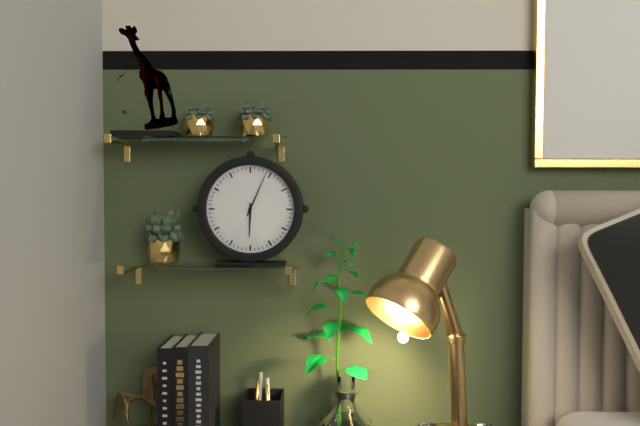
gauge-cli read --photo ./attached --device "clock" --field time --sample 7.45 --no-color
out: 6.04
